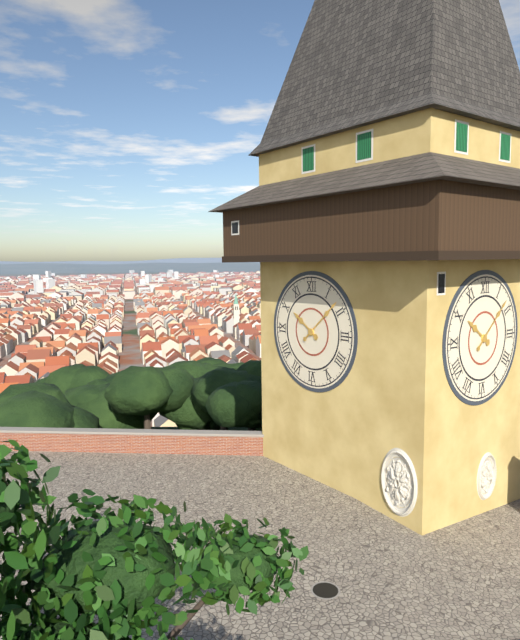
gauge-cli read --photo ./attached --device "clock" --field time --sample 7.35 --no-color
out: 10.08
